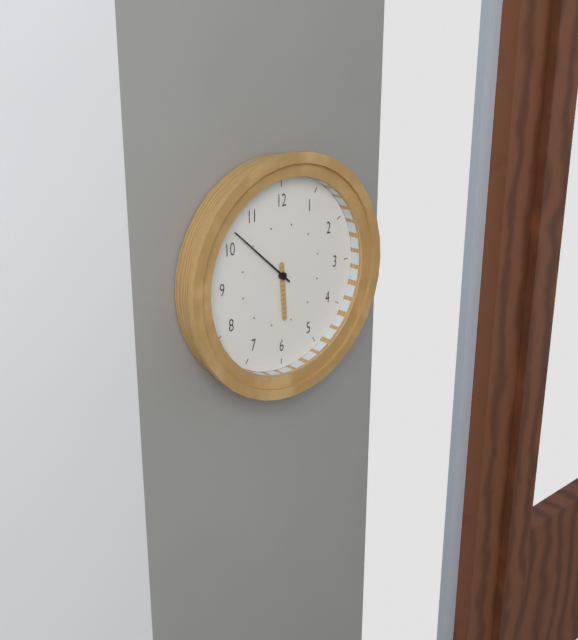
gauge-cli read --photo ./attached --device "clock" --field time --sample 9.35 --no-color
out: 5.52
